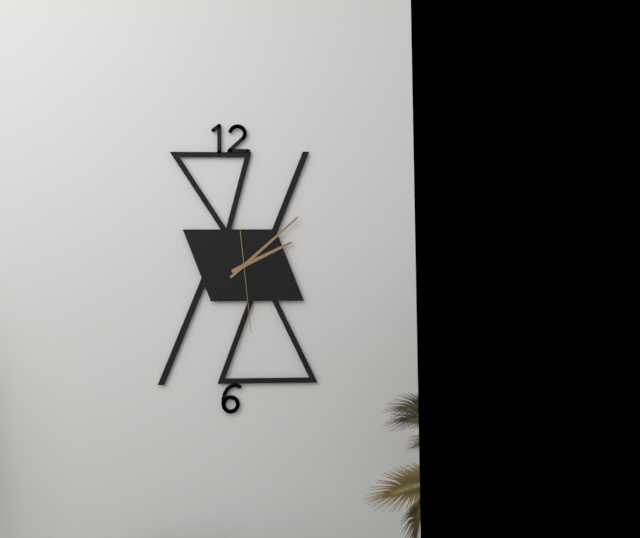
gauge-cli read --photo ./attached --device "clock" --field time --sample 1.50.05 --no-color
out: 2.08.29
